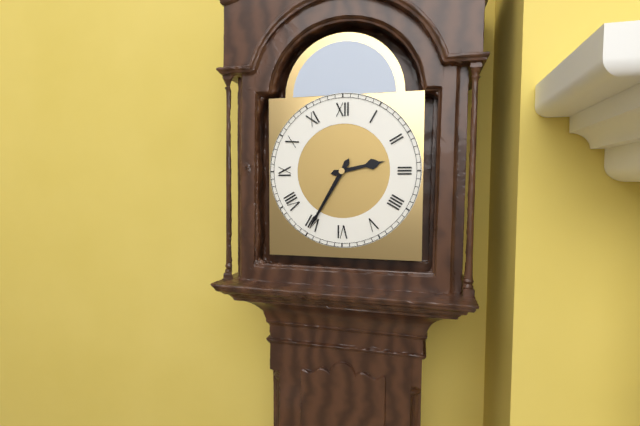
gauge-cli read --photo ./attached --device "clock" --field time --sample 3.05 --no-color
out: 2.35
